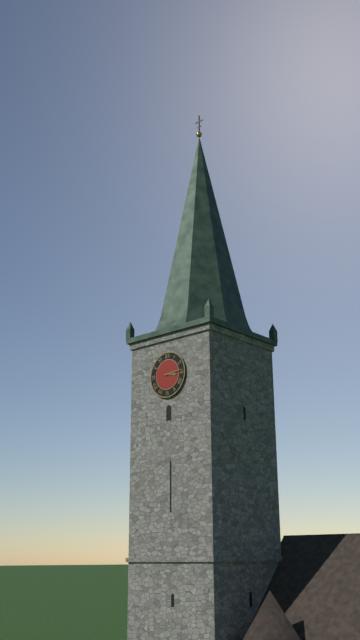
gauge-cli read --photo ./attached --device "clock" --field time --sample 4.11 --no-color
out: 3.14
